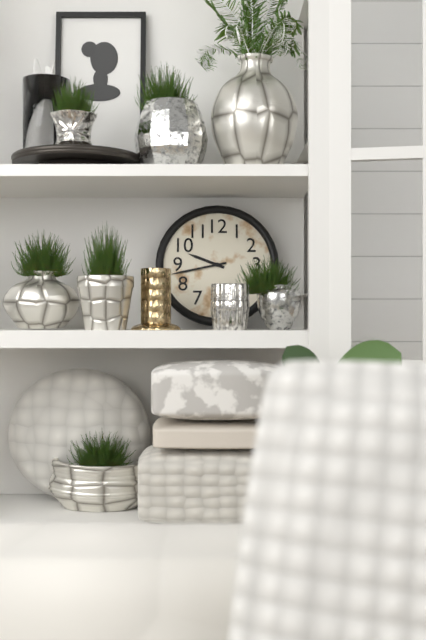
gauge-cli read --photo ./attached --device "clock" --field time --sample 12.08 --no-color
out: 9.43
